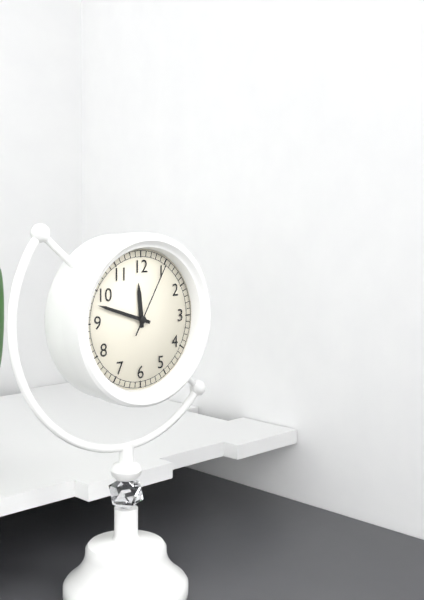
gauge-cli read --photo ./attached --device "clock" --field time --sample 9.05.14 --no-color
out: 11.48.05
